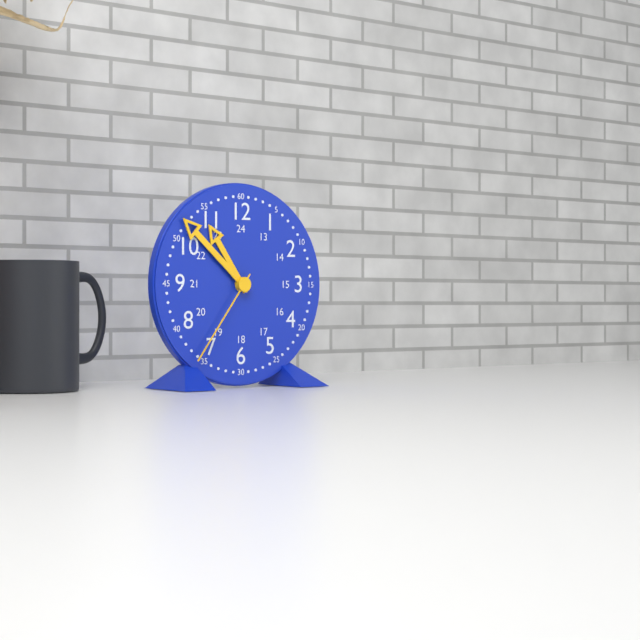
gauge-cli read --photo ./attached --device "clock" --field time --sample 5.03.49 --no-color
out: 10.52.36
